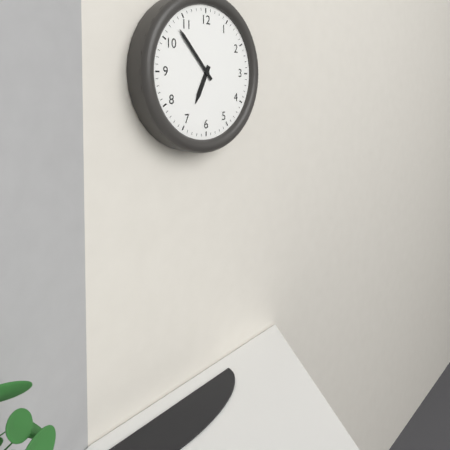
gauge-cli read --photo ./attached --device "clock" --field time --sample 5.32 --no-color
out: 6.53
